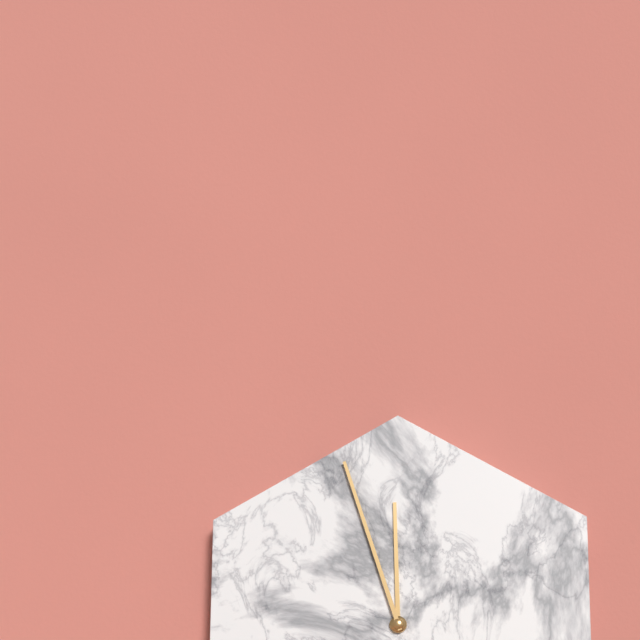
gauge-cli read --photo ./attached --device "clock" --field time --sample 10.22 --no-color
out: 11.57
